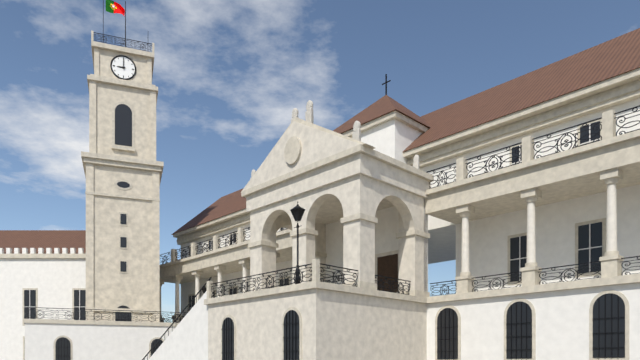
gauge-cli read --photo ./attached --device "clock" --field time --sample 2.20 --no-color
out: 9.00
